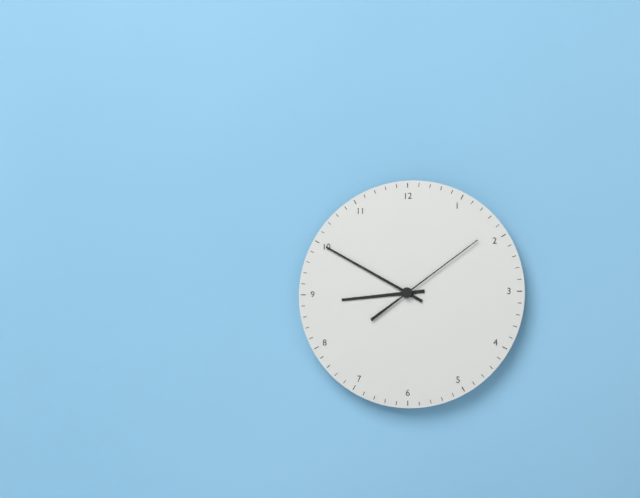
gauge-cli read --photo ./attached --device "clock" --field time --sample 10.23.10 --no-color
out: 8.50.09
